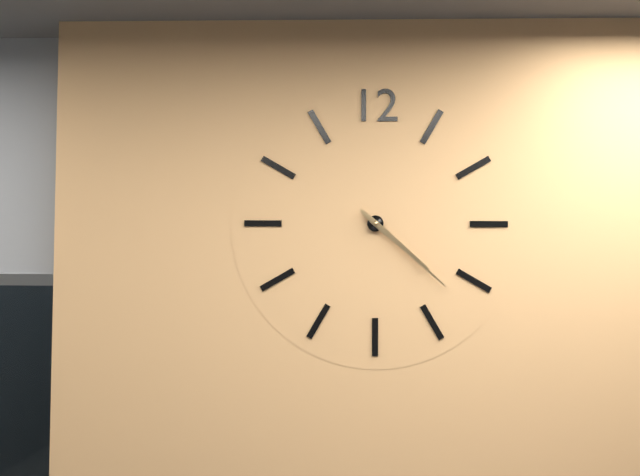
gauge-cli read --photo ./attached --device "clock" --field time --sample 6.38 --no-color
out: 4.22
